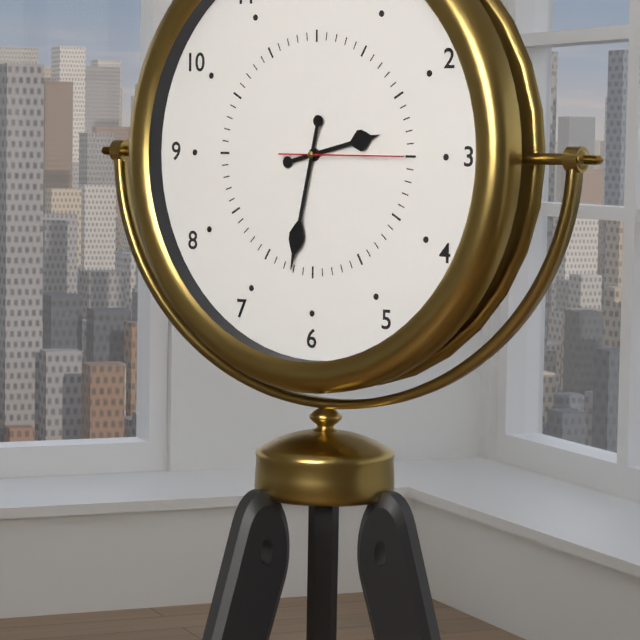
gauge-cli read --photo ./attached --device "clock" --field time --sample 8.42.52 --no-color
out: 2.32.15
